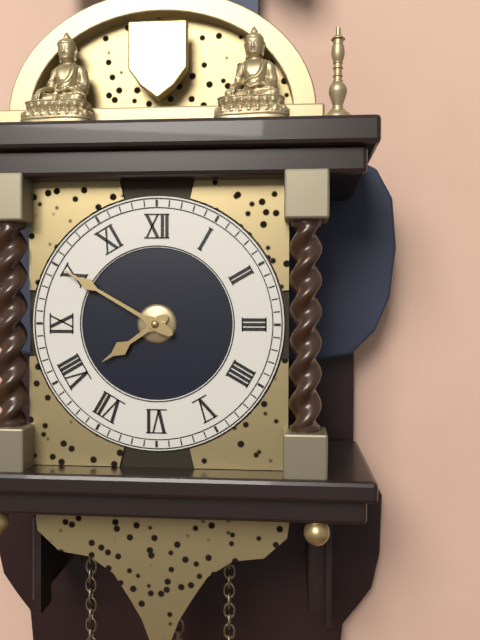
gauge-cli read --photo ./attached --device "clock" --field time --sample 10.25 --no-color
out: 7.50
